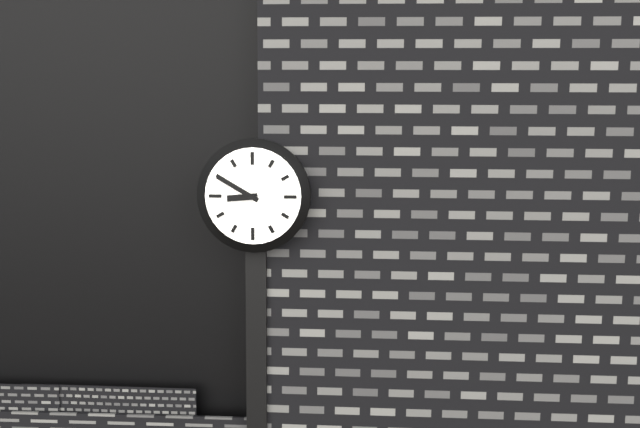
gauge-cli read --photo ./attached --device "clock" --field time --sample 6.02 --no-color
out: 8.50
